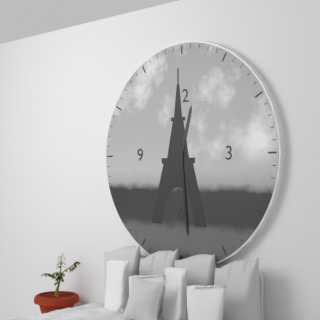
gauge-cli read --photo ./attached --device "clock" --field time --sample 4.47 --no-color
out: 12.29
